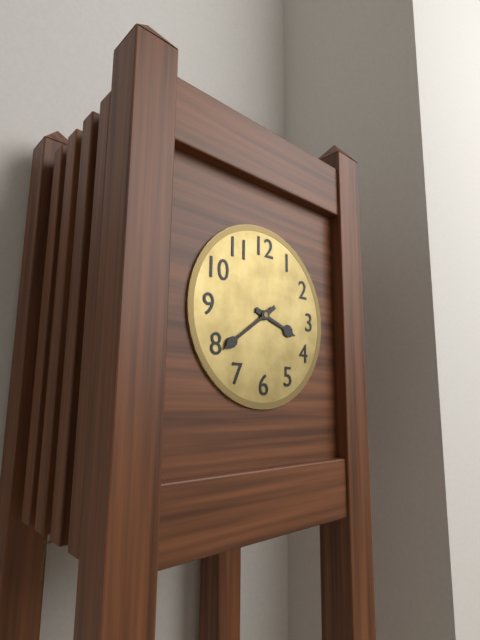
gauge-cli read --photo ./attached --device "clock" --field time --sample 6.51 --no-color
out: 3.39
